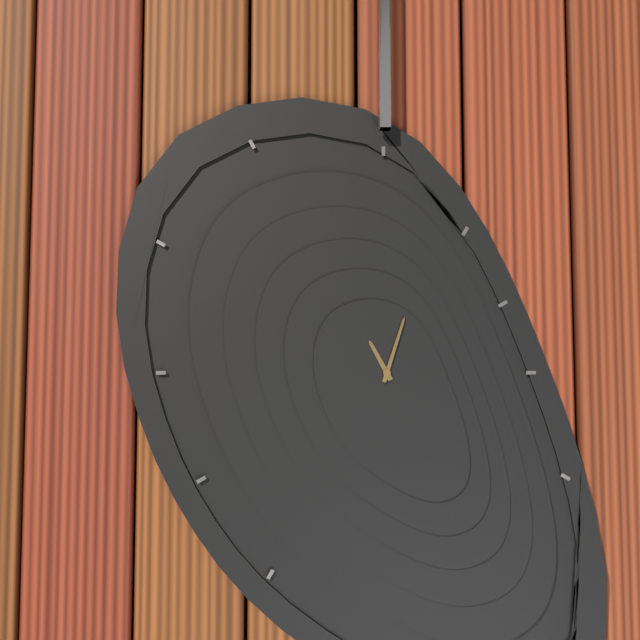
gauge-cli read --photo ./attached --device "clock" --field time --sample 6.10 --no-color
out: 11.03
